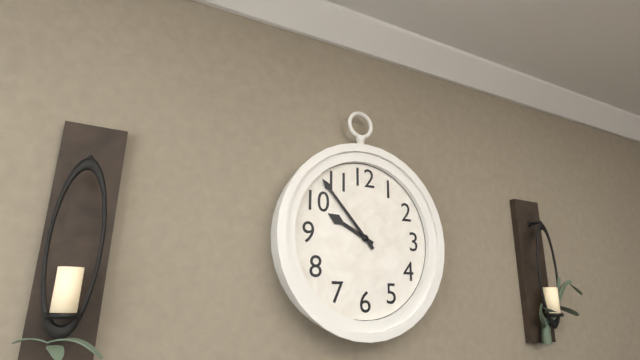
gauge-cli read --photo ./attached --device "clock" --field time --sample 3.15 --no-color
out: 9.53
